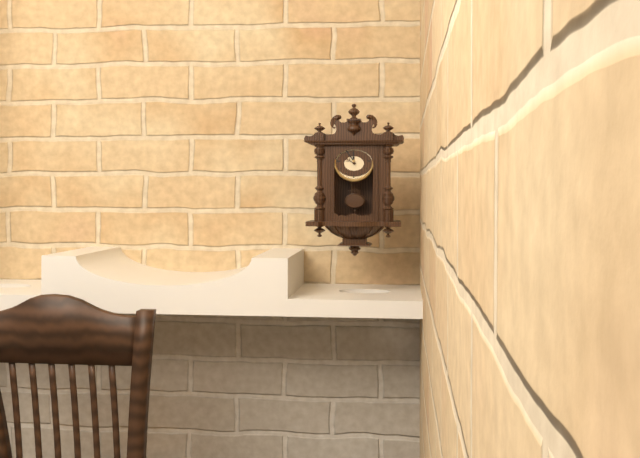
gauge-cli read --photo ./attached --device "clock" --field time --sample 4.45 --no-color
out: 11.54
